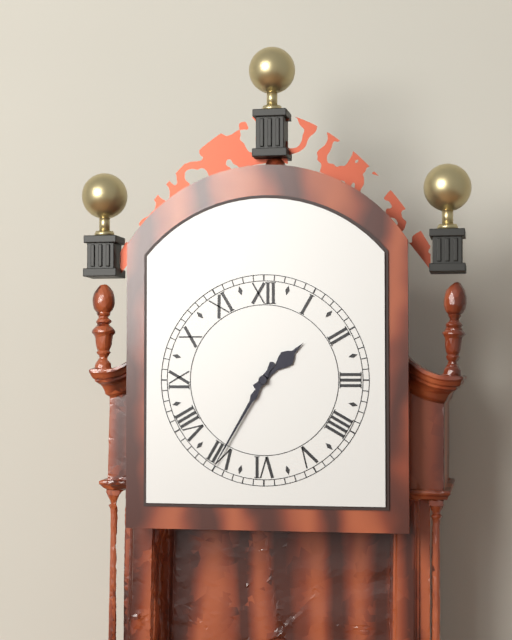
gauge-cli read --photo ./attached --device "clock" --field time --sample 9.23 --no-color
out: 1.35
